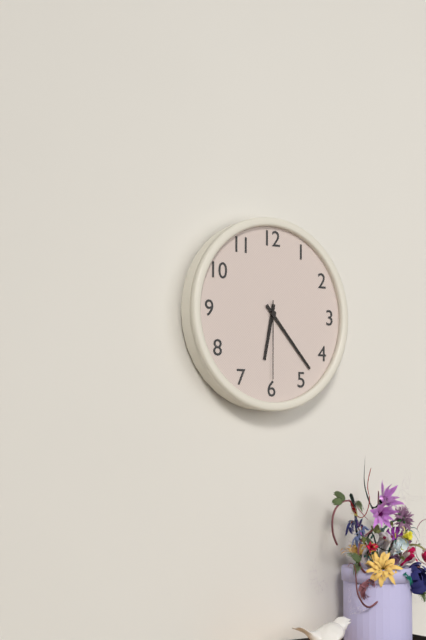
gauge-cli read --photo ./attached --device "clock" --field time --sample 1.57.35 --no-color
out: 6.23.30
